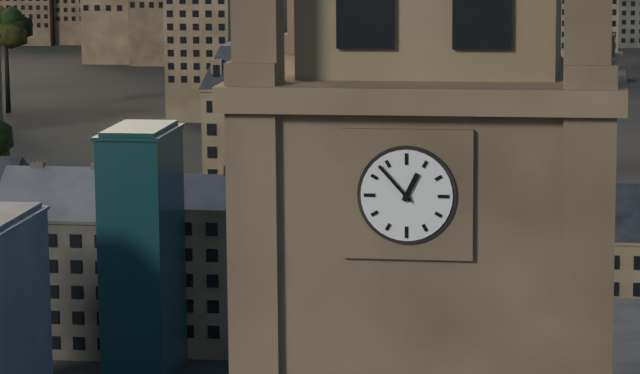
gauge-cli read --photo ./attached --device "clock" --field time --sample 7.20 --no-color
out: 12.53
